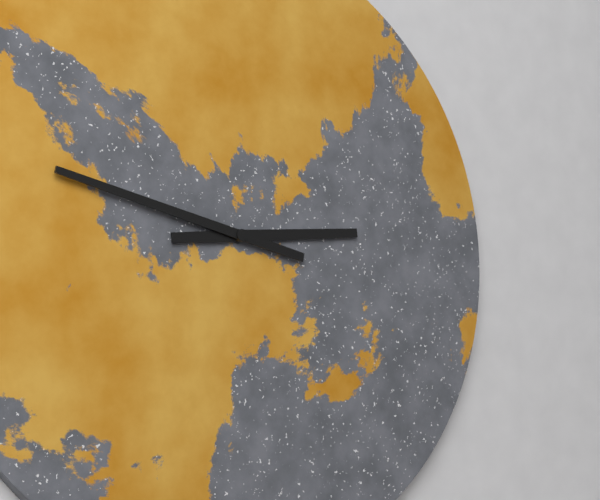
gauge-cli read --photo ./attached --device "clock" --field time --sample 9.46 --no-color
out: 2.47
